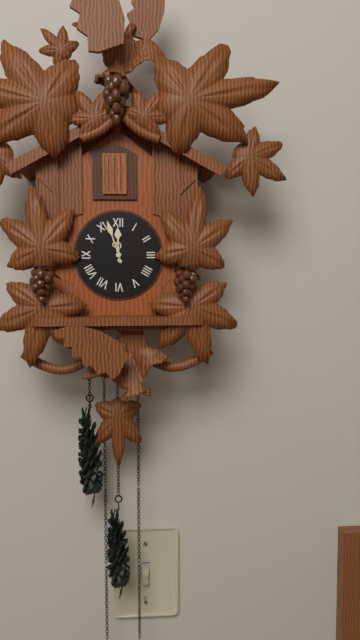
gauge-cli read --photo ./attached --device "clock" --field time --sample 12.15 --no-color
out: 11.57
